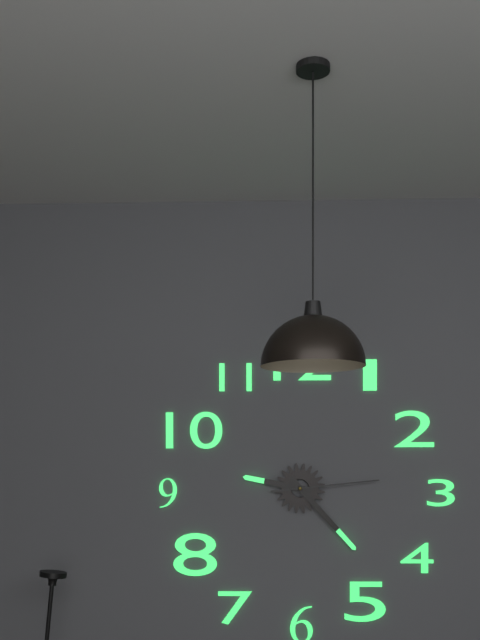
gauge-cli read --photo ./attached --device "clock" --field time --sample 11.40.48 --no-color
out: 9.23.14
